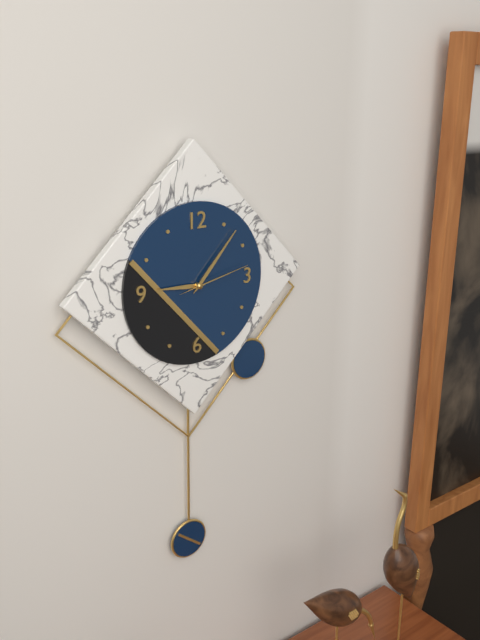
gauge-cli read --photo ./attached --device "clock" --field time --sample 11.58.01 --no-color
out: 9.07.13
